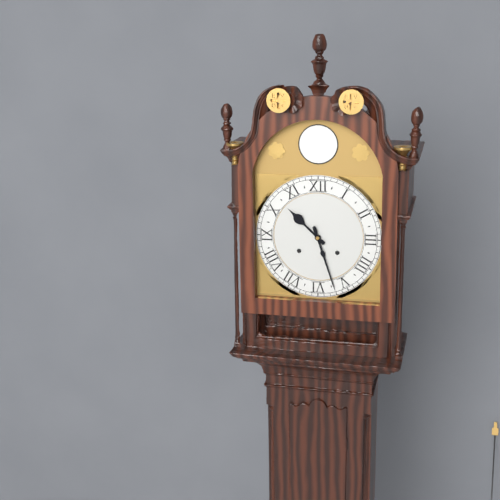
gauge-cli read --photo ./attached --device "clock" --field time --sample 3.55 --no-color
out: 10.27
